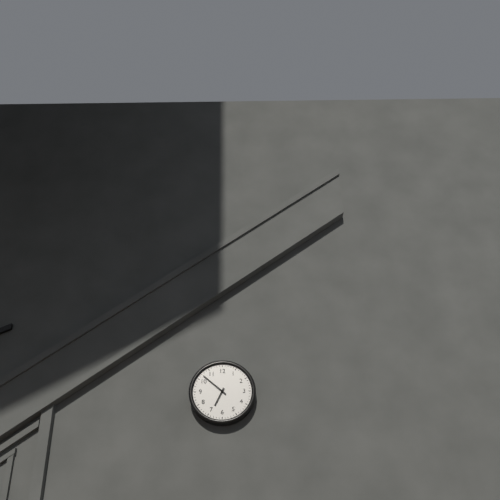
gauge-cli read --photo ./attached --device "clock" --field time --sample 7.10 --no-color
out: 6.52
